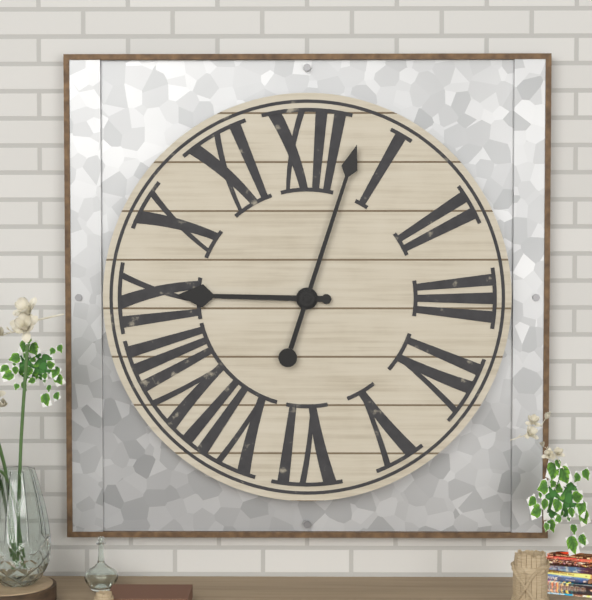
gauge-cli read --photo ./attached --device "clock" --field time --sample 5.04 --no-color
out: 9.03
